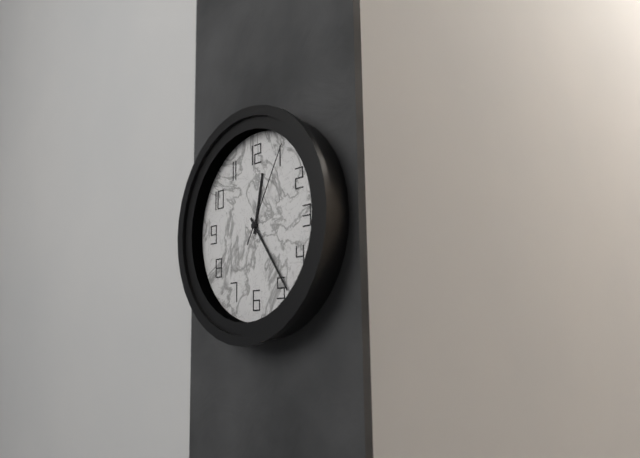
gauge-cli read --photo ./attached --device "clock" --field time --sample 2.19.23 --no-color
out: 12.24.05
